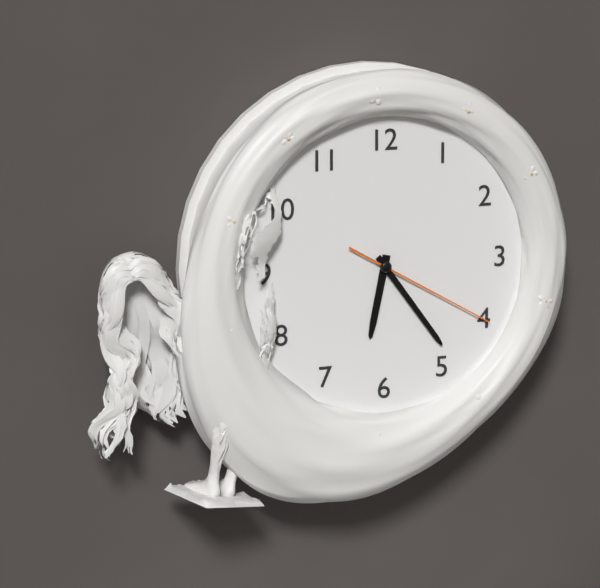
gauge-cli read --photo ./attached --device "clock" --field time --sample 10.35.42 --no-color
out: 6.24.20
